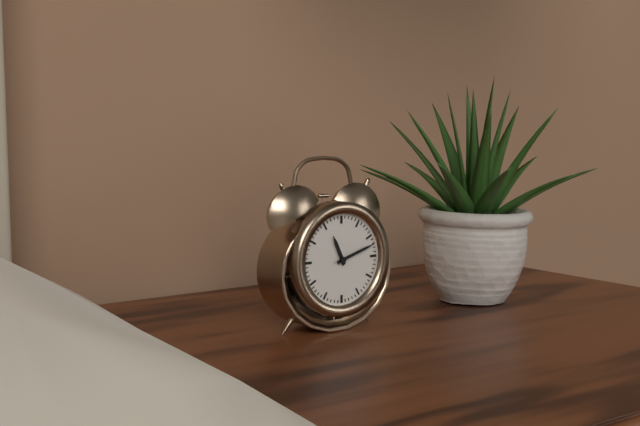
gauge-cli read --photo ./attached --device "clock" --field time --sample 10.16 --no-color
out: 11.12
